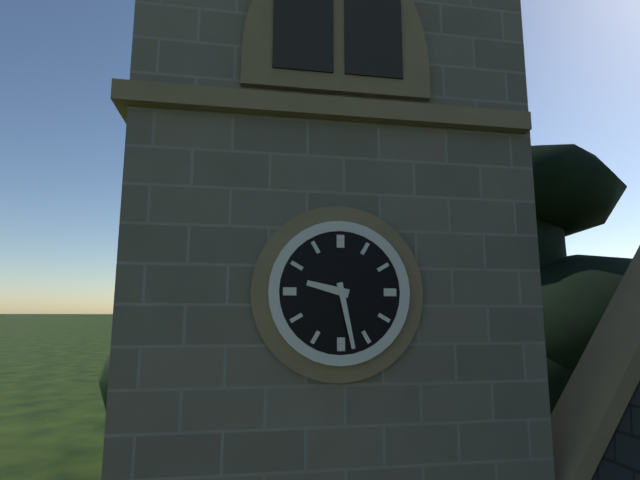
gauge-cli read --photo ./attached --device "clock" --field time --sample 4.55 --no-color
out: 9.28
